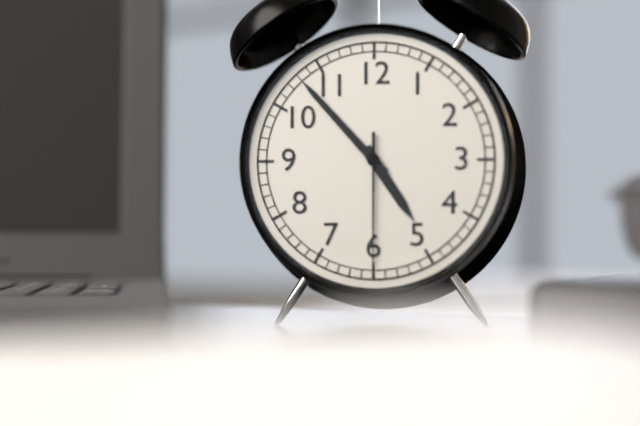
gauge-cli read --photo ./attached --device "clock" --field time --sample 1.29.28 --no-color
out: 4.53.30
